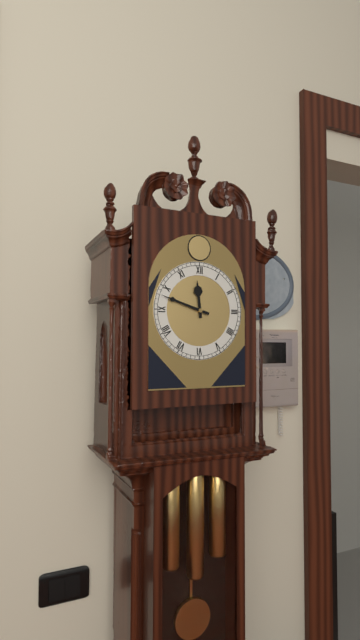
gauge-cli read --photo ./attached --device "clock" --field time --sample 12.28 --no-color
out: 11.48
